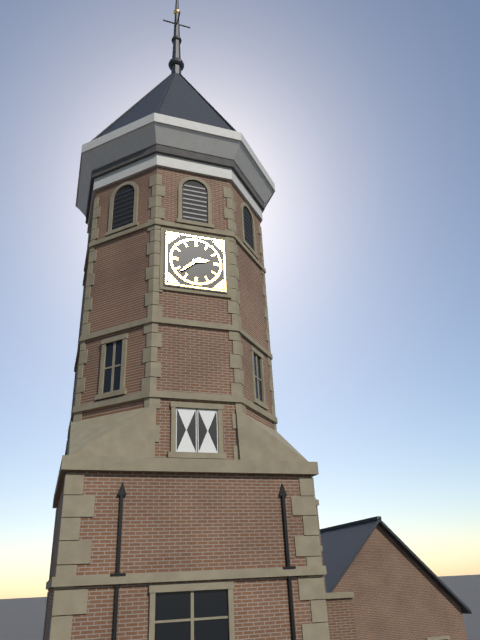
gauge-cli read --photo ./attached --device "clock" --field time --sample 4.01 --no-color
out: 2.38
